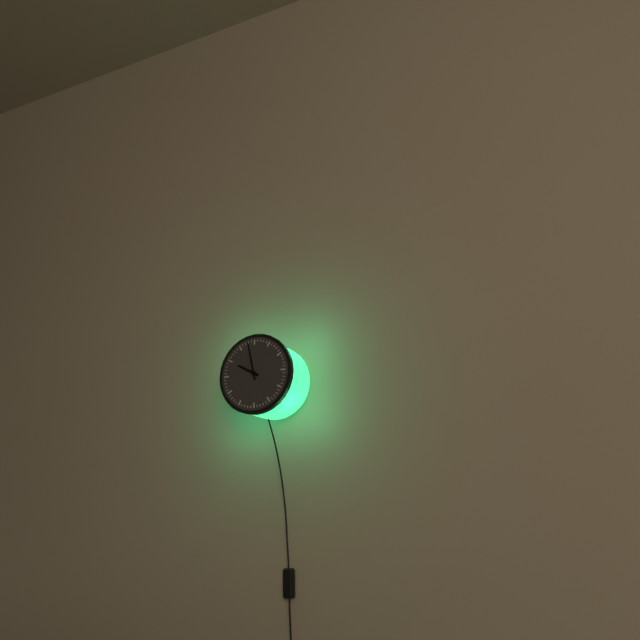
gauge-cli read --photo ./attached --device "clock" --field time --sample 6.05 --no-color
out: 9.58
